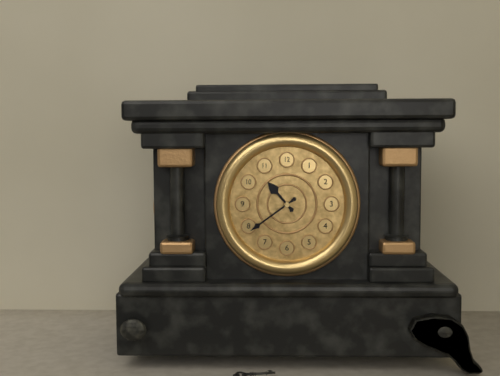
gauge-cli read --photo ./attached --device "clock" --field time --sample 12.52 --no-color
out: 10.39
